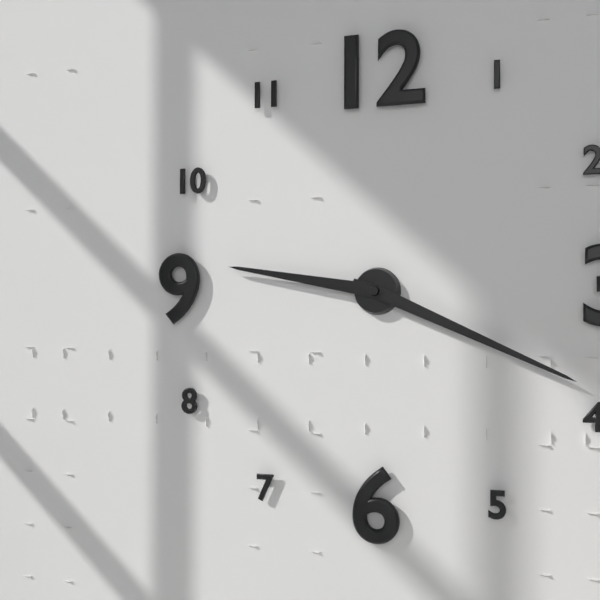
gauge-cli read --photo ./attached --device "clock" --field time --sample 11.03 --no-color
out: 9.19
